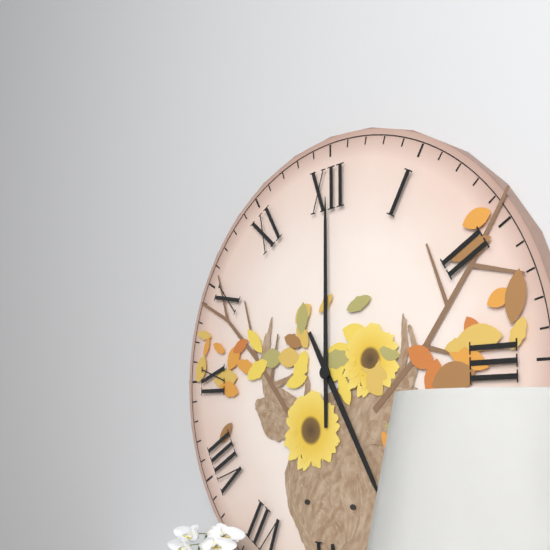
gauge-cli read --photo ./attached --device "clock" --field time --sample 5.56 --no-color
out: 5.00
